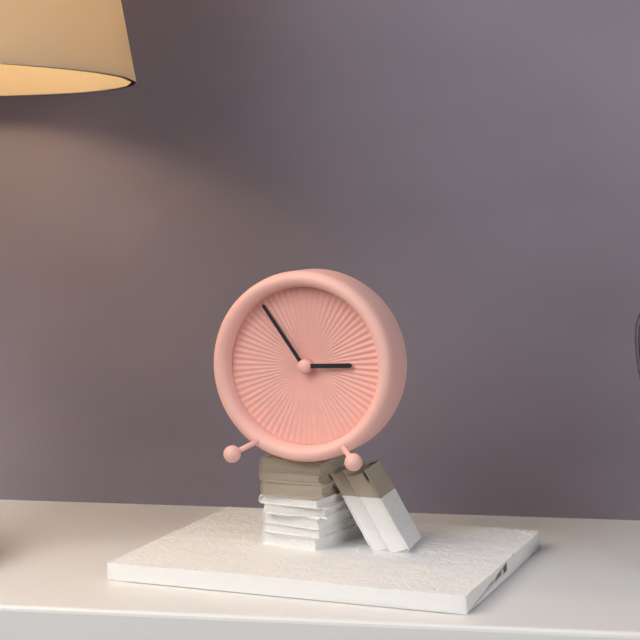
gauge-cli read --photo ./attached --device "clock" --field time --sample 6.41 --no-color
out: 2.54
